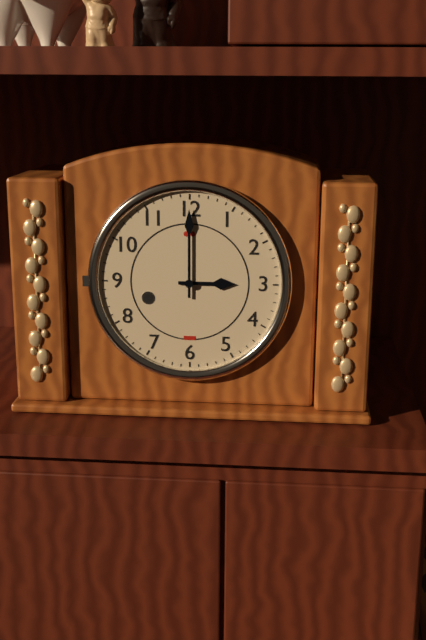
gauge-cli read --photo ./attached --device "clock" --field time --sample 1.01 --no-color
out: 3.00
